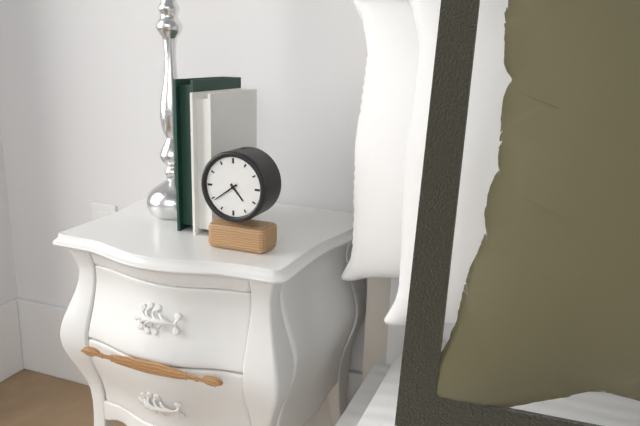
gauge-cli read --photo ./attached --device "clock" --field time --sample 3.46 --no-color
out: 4.39
